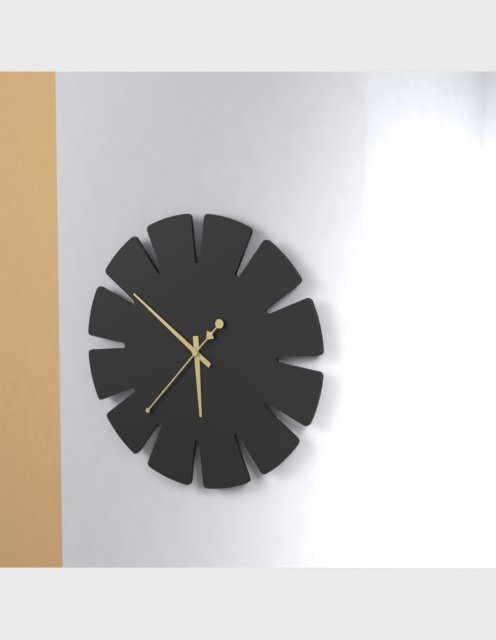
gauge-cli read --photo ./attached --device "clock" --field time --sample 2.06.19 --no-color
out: 5.51.37
